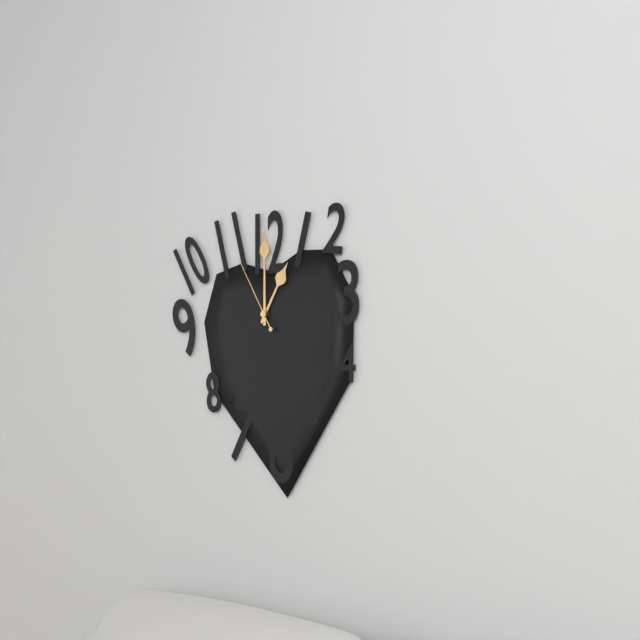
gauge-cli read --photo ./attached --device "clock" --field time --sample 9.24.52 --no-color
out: 1.00.55
